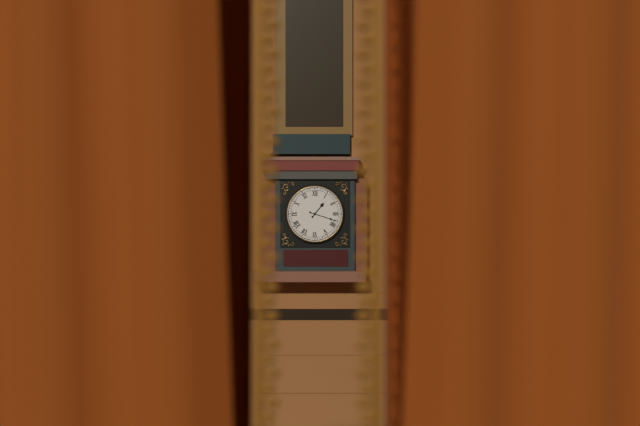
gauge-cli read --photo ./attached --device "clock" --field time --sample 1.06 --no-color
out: 1.18
